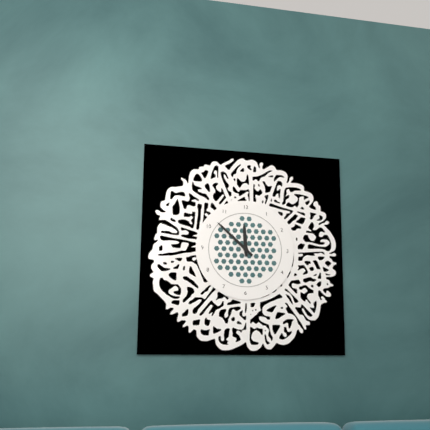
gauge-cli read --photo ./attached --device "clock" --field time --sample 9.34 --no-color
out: 11.52
